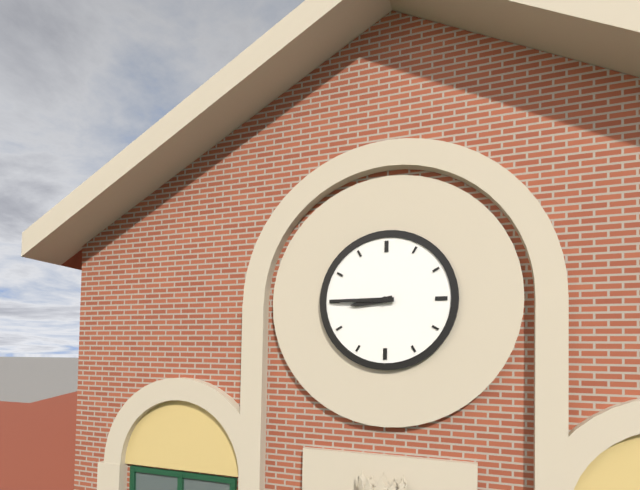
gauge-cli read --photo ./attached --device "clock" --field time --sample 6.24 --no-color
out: 8.45
